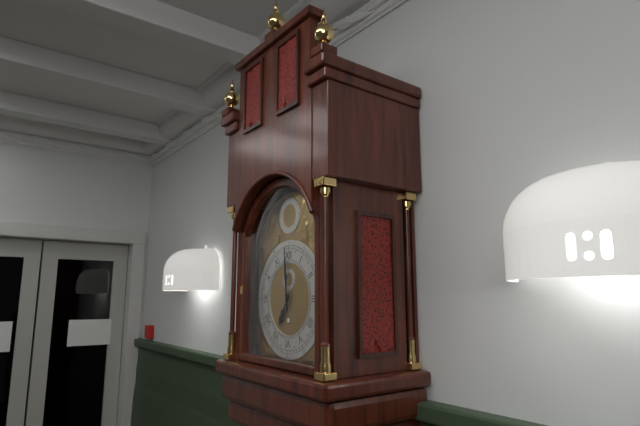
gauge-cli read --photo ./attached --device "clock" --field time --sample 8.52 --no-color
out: 6.59
